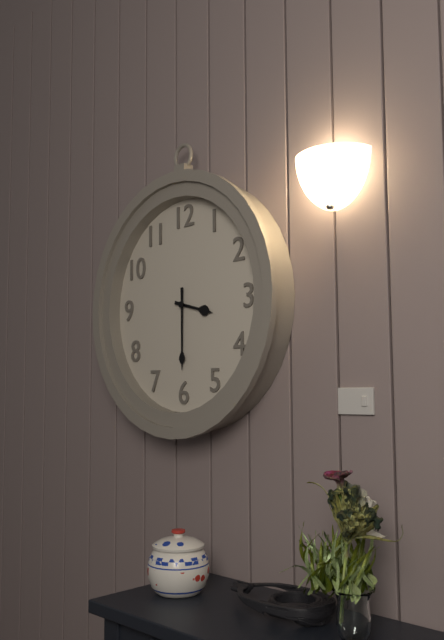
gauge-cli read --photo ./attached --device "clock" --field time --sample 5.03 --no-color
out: 3.30
